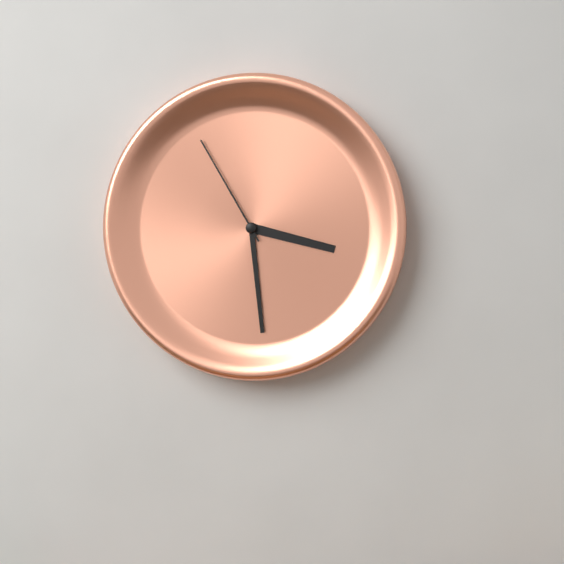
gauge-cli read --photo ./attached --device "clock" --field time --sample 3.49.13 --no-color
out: 3.29.55
